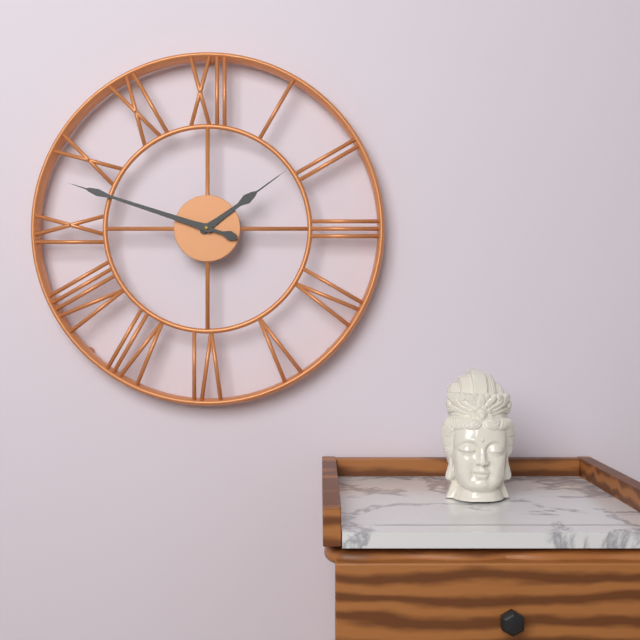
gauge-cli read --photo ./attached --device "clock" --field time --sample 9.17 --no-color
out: 1.48
